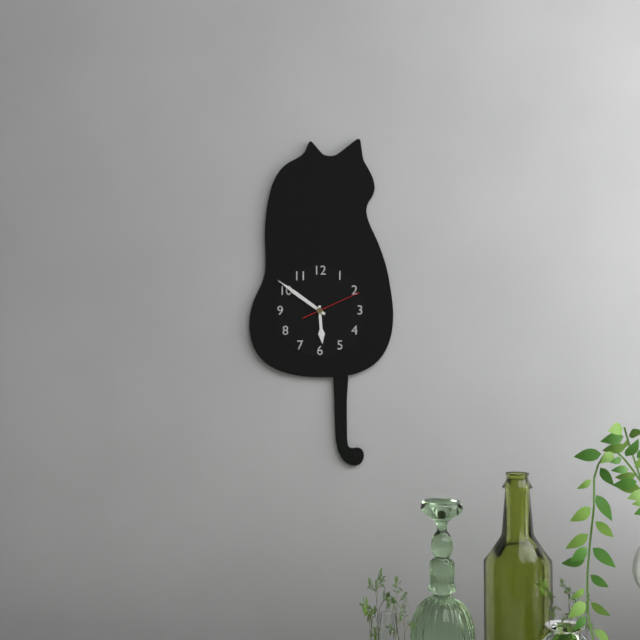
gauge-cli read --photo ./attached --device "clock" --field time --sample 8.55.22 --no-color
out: 5.51.11
